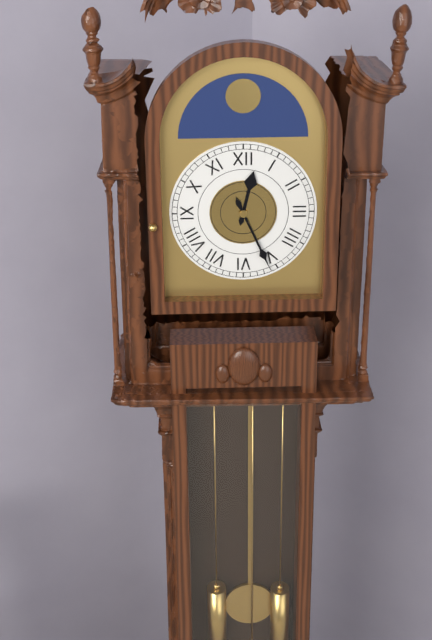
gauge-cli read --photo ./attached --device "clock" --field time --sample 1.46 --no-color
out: 12.26
